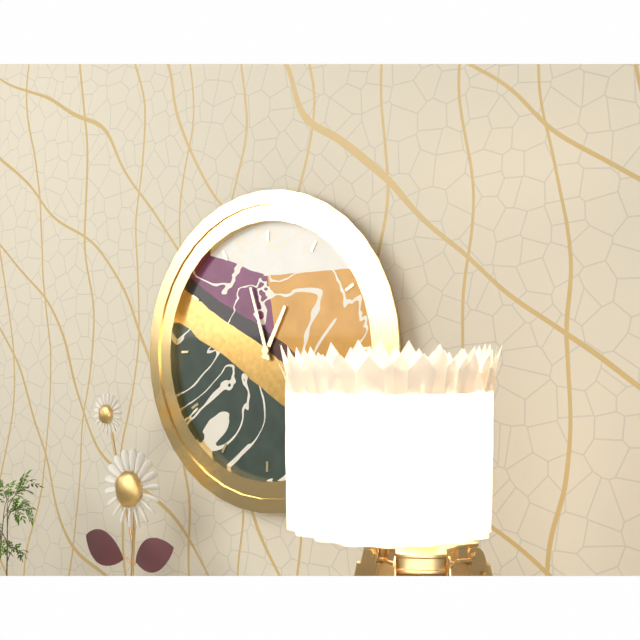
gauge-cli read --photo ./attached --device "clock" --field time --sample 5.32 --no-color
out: 12.57
